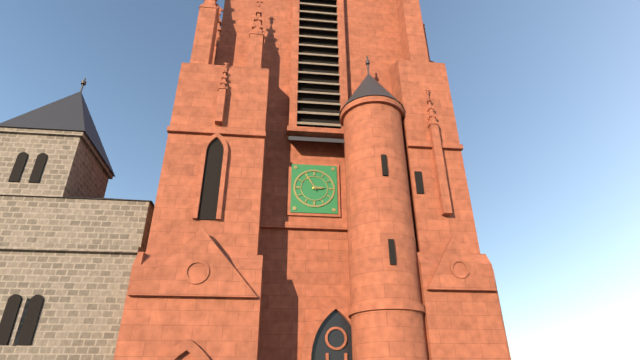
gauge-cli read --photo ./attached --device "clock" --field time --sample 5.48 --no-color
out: 2.55
